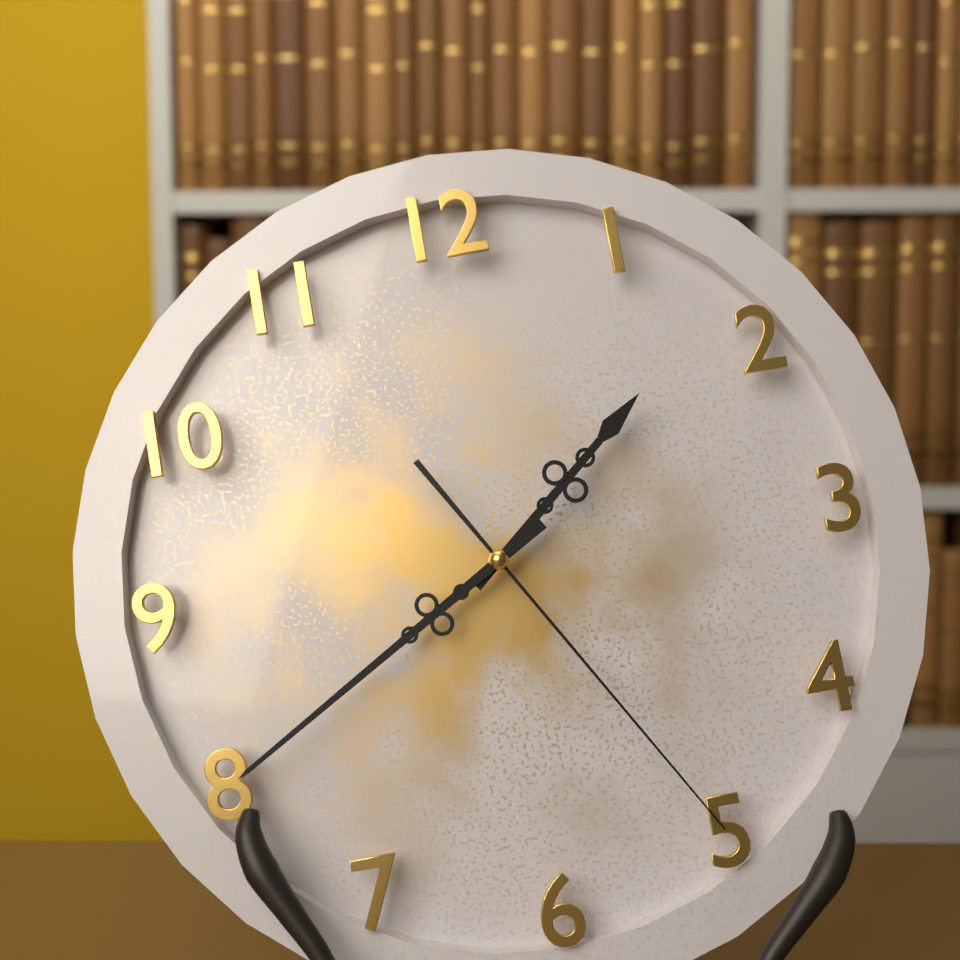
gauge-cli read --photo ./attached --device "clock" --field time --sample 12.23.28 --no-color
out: 1.40.25
